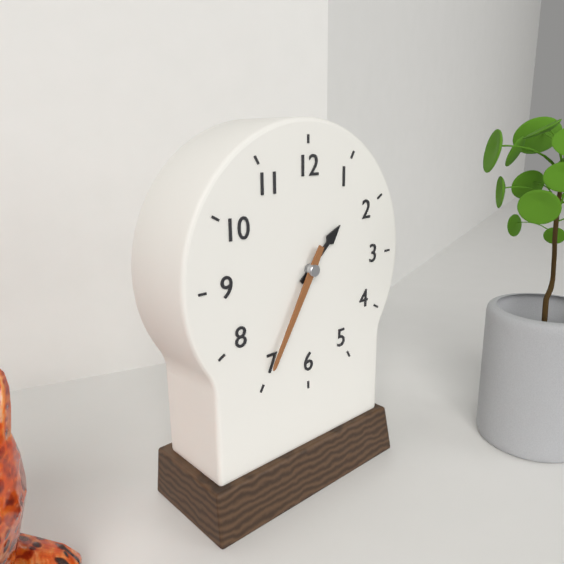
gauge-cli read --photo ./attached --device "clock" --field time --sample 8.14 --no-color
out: 1.35
